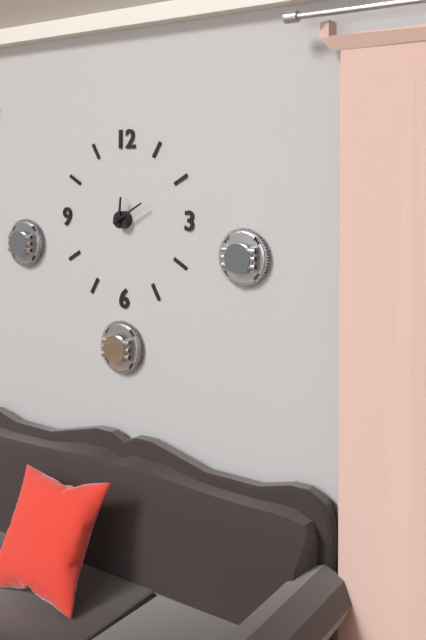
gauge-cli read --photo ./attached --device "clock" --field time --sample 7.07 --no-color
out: 12.10
